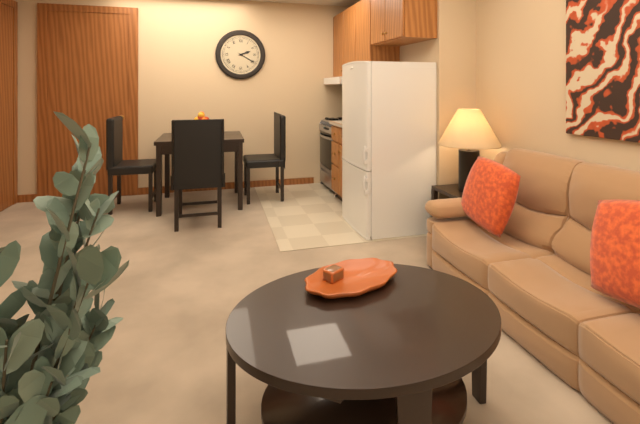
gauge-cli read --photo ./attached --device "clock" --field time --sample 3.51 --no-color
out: 2.20
